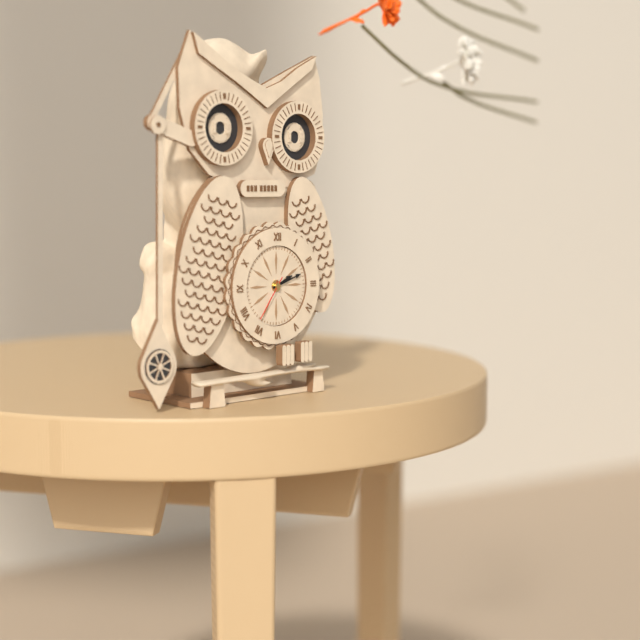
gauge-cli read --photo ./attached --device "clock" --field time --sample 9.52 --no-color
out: 2.12
